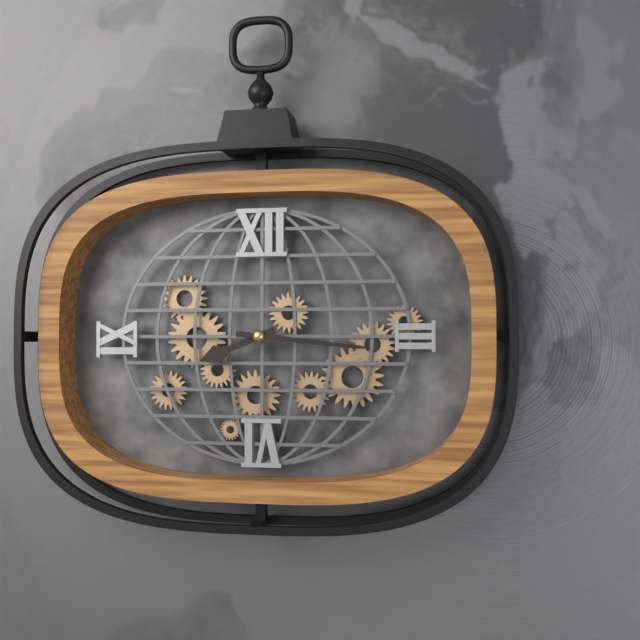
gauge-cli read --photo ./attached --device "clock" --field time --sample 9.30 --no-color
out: 8.16
